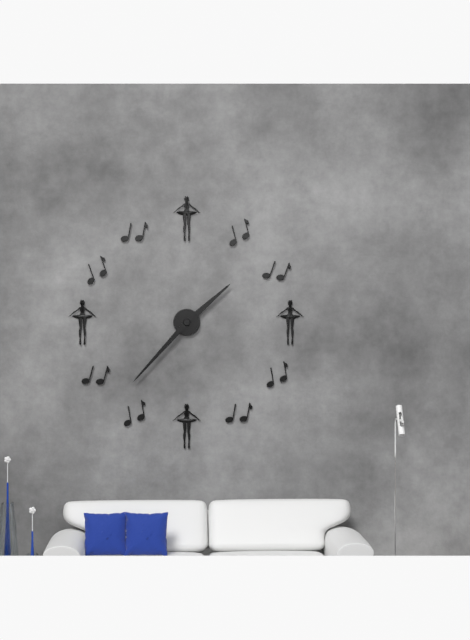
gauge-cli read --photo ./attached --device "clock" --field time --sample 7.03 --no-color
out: 1.37
